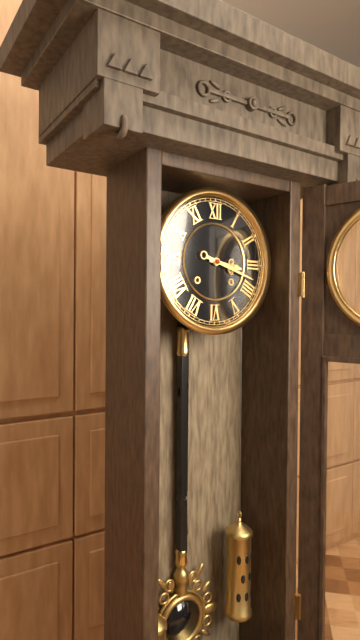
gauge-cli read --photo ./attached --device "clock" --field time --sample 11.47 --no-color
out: 3.18
